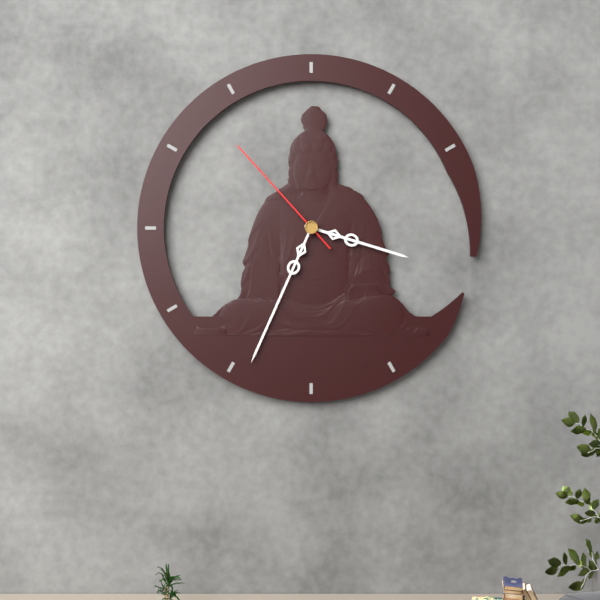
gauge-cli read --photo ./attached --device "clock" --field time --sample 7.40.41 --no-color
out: 3.34.53
